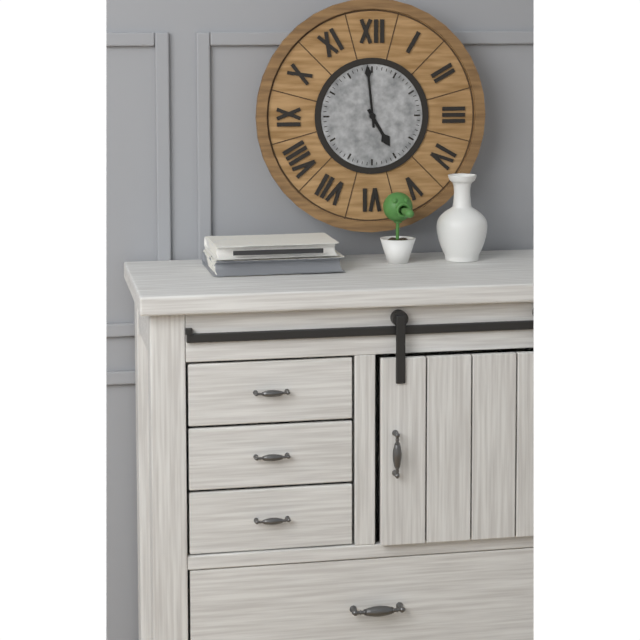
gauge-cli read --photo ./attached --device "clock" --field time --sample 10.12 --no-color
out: 4.59
